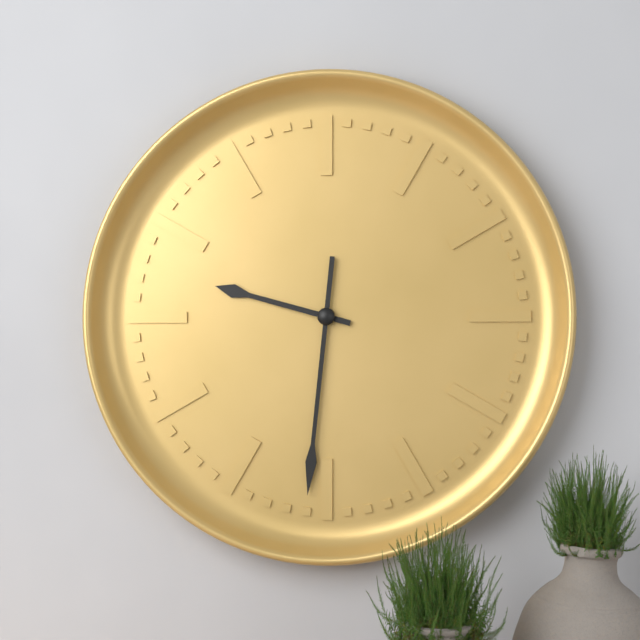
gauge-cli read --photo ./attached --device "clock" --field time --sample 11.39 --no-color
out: 9.31
